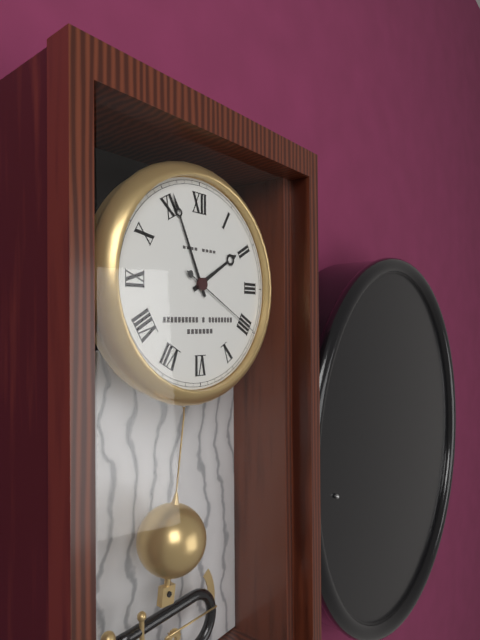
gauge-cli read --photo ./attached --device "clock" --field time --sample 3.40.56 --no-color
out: 1.56.20
